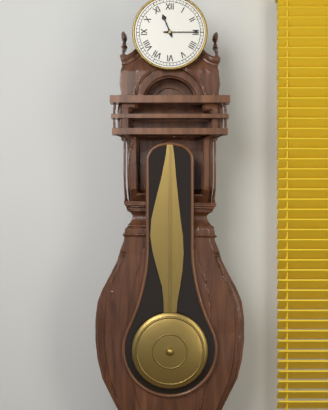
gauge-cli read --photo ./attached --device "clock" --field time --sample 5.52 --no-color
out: 11.15
